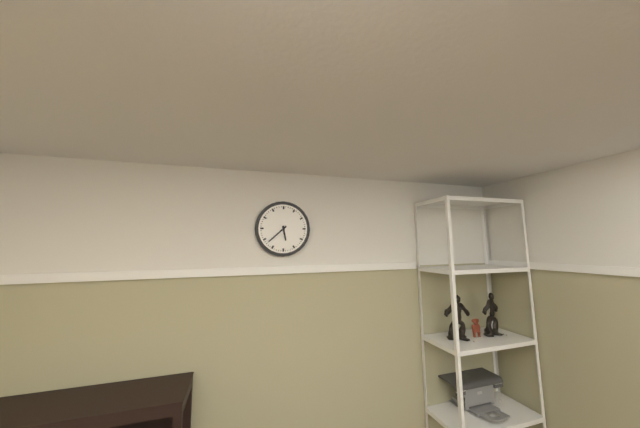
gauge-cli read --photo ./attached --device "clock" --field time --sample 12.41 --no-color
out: 5.38
